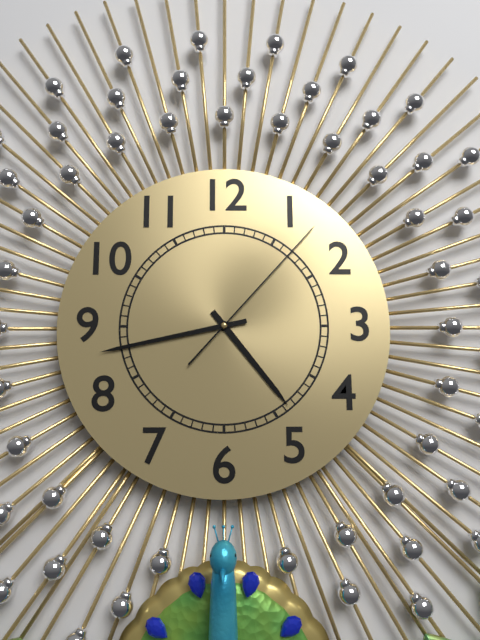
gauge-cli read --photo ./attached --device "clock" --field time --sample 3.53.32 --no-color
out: 4.43.07
